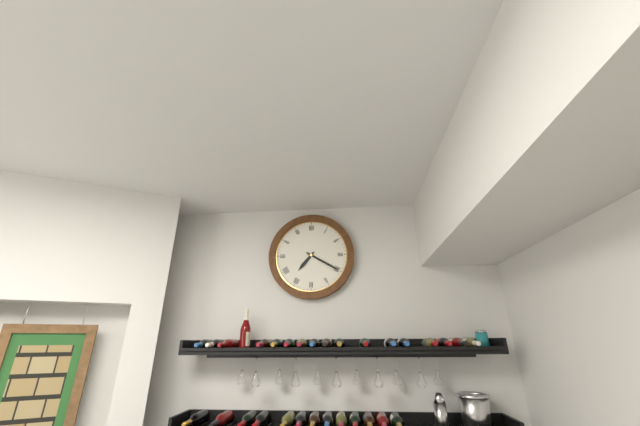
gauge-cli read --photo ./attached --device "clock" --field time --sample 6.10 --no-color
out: 7.20
